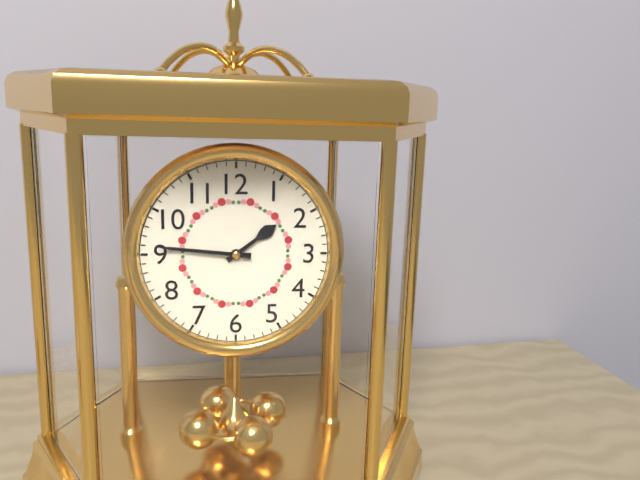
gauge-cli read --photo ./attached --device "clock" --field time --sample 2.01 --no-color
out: 1.46
